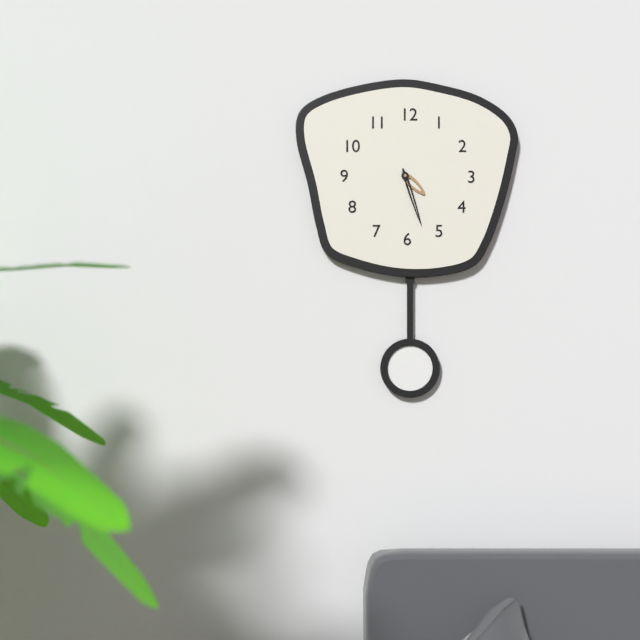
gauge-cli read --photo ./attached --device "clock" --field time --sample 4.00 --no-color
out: 4.27
